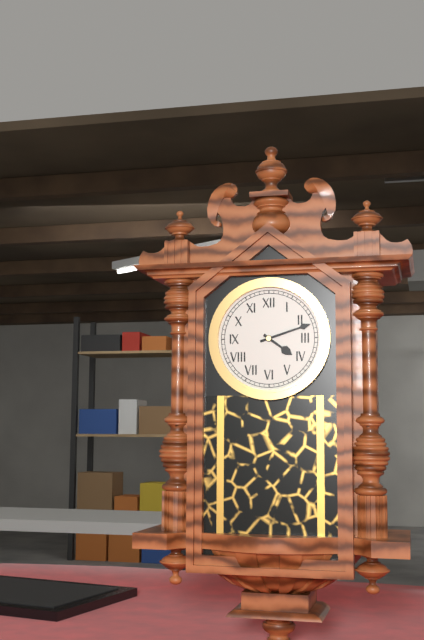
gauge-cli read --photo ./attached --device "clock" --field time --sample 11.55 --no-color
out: 4.12
